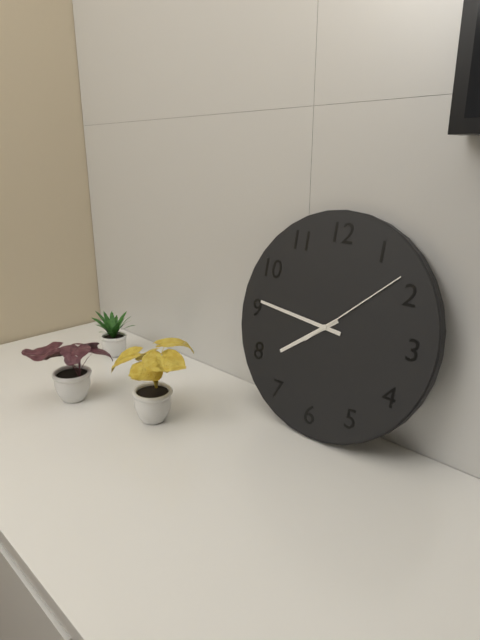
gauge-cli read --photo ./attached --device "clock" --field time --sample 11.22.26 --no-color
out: 7.46.08
